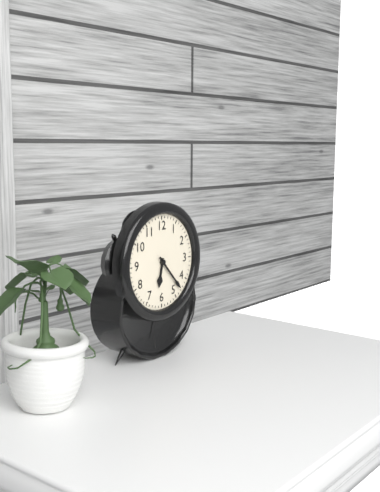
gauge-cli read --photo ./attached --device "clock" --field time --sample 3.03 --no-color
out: 6.23
